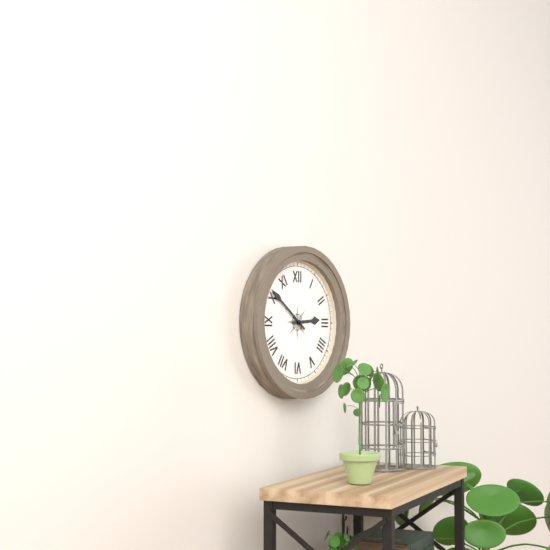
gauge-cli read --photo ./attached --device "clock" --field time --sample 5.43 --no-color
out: 2.51
